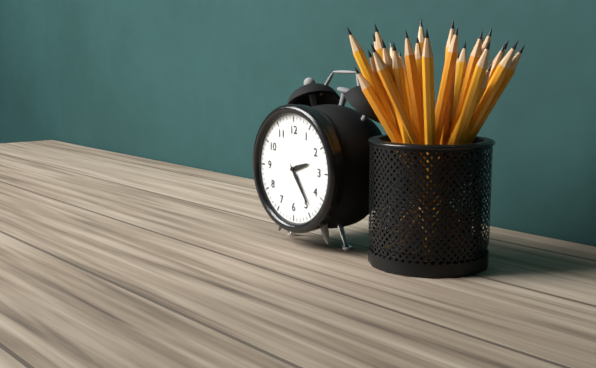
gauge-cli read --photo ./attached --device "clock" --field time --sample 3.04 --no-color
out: 2.24
